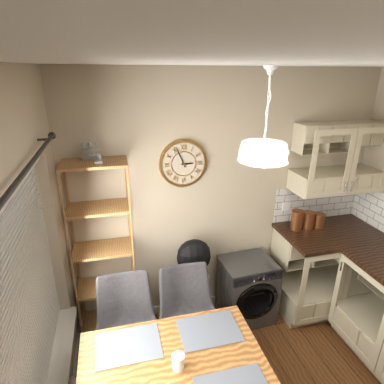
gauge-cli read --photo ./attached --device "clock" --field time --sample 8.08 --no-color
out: 2.56
